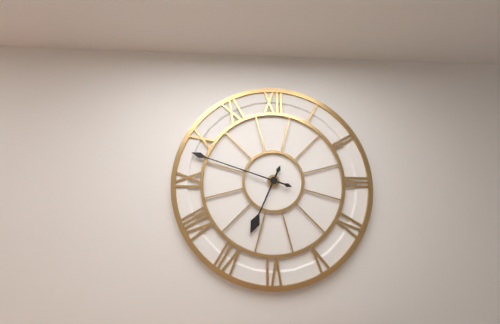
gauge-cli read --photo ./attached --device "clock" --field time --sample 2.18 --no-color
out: 6.48
